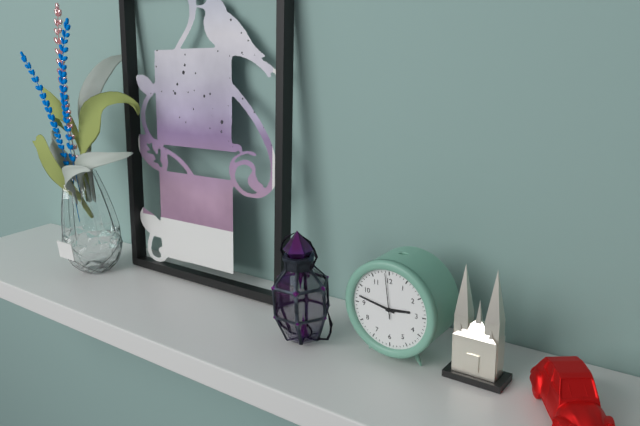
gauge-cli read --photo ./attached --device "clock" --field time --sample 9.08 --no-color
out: 2.47
